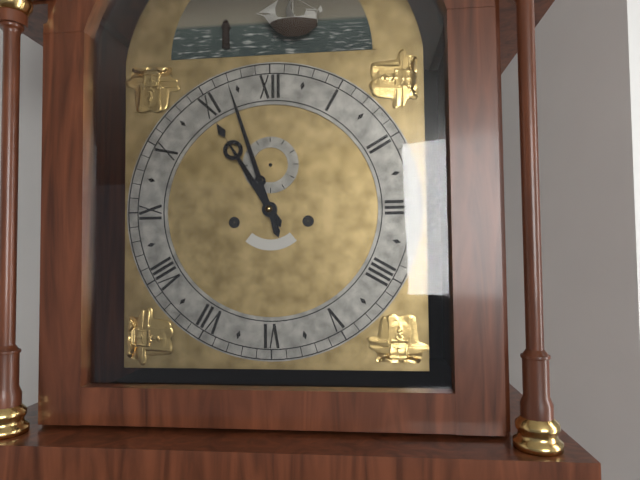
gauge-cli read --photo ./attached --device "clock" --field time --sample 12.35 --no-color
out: 10.57
